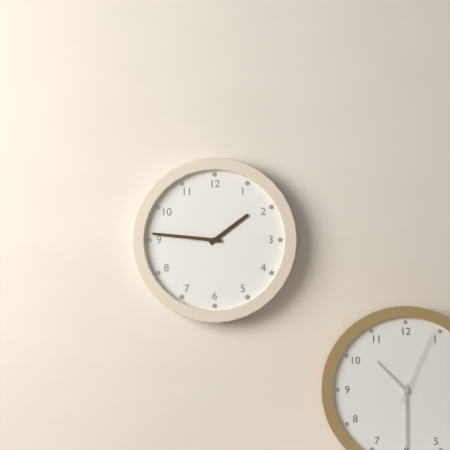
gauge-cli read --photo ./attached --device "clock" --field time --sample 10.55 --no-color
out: 1.46
